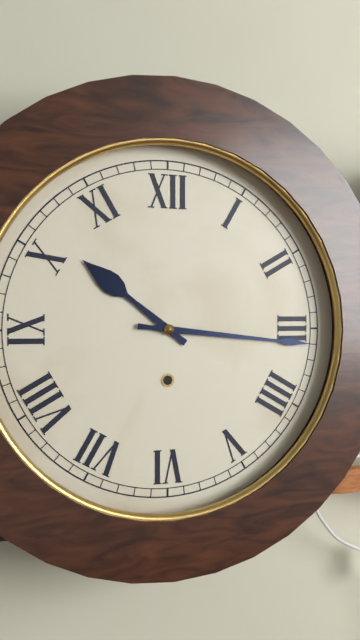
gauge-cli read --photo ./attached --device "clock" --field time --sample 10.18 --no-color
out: 10.16
